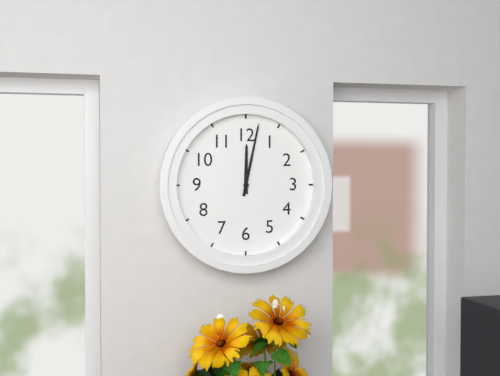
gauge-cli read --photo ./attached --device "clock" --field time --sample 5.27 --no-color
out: 12.02
